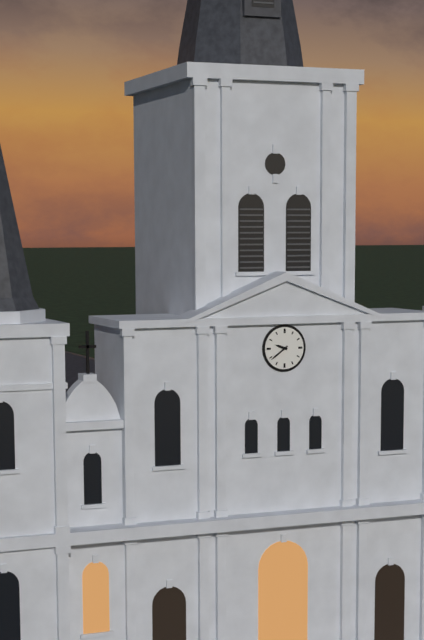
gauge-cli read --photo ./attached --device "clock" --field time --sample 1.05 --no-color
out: 9.39
